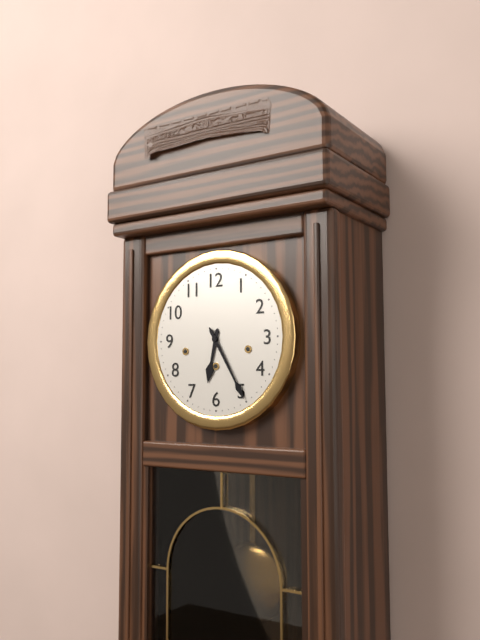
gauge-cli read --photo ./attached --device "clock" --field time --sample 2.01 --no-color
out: 6.25
